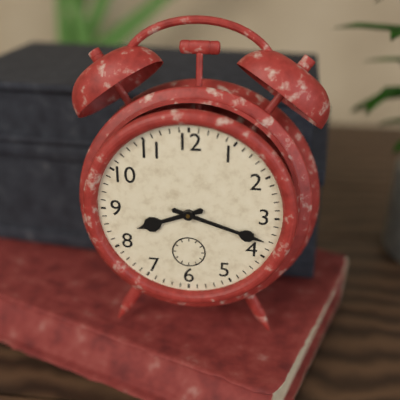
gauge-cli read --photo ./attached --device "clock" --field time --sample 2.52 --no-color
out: 8.18
